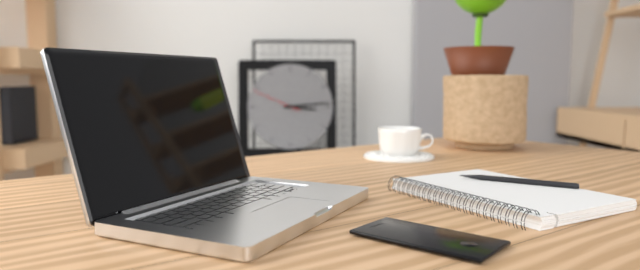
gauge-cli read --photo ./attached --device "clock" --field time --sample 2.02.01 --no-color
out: 3.14.49
